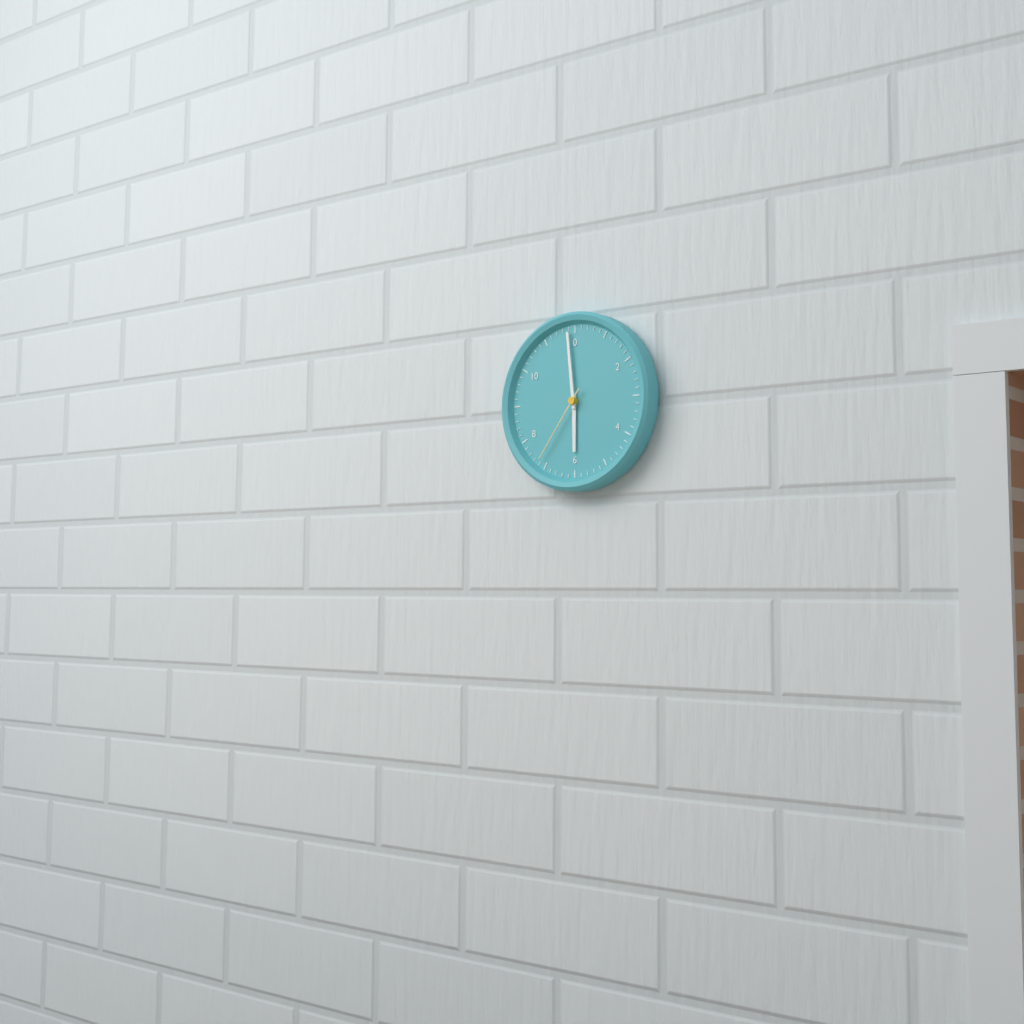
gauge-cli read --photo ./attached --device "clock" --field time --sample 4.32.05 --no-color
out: 5.59.36
